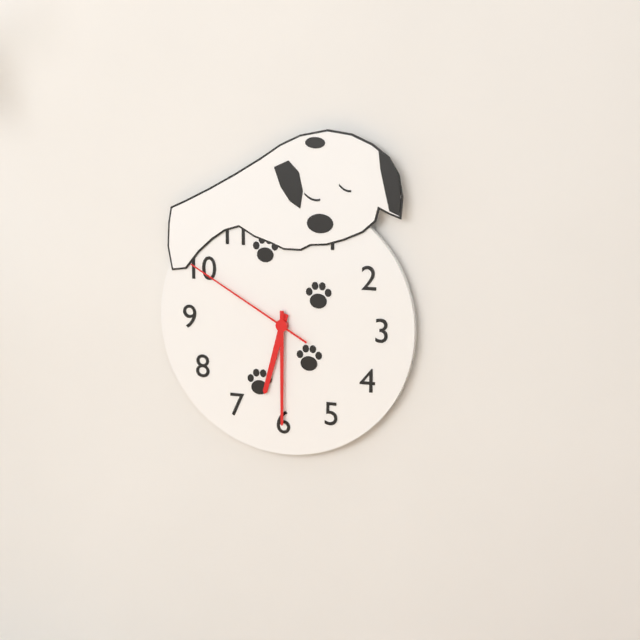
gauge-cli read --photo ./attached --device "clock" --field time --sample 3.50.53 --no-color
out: 6.30.50
